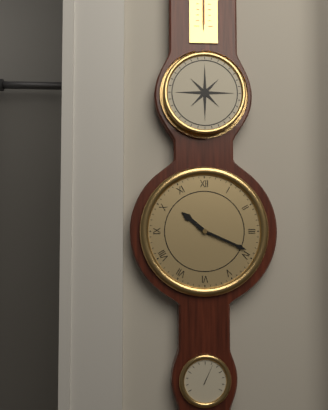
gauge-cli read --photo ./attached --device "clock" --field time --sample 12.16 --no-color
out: 10.19
